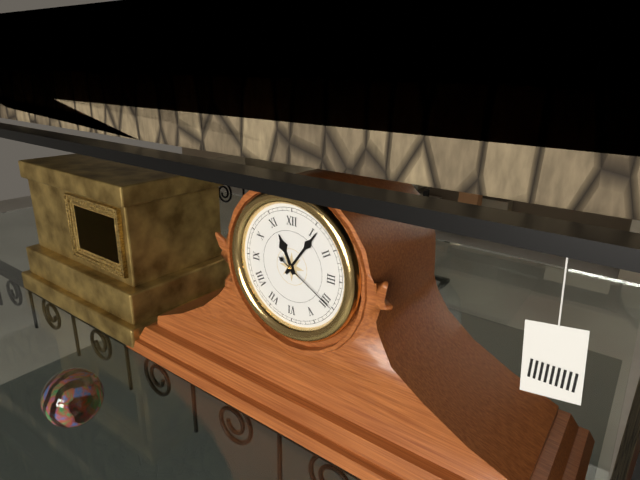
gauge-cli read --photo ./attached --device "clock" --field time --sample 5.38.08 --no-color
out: 11.06.20
